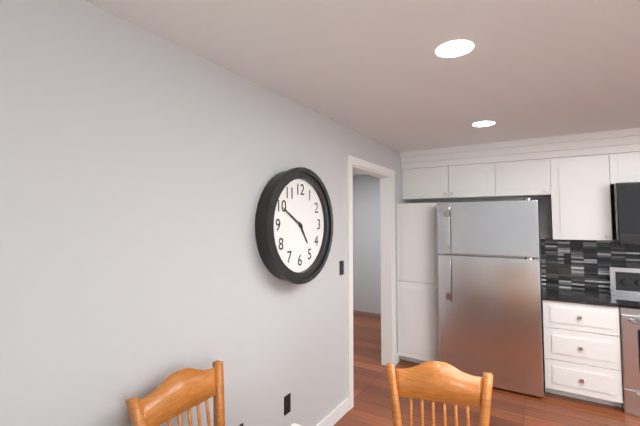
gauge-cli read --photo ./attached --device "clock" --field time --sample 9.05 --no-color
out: 4.50
